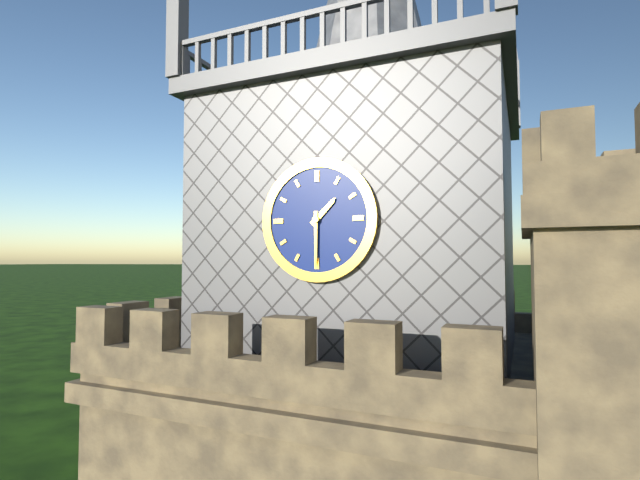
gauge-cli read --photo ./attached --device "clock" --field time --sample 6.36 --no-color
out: 1.30
